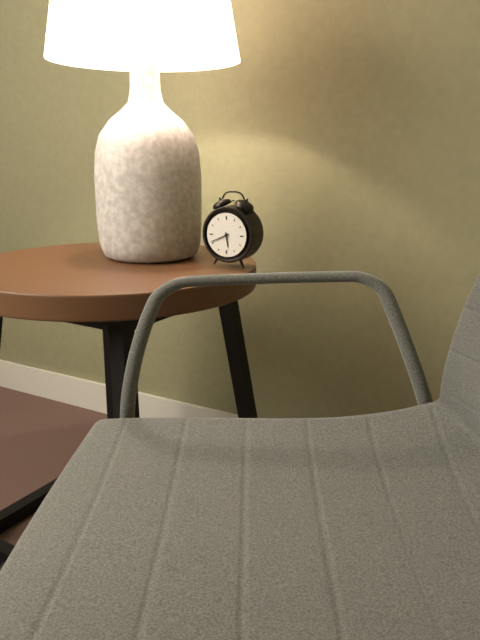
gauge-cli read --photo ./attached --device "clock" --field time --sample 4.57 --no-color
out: 5.41
